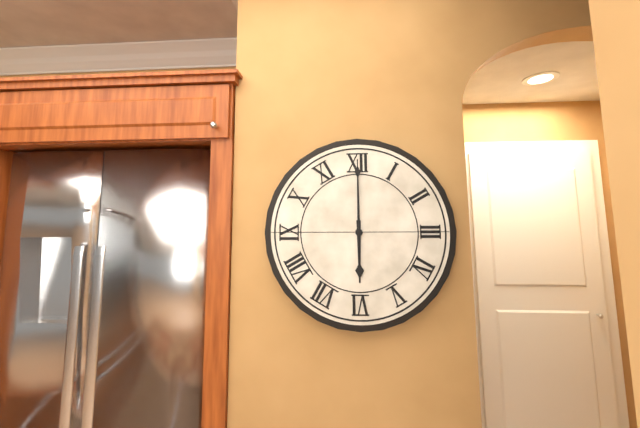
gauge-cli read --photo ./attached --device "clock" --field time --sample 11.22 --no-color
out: 6.00
